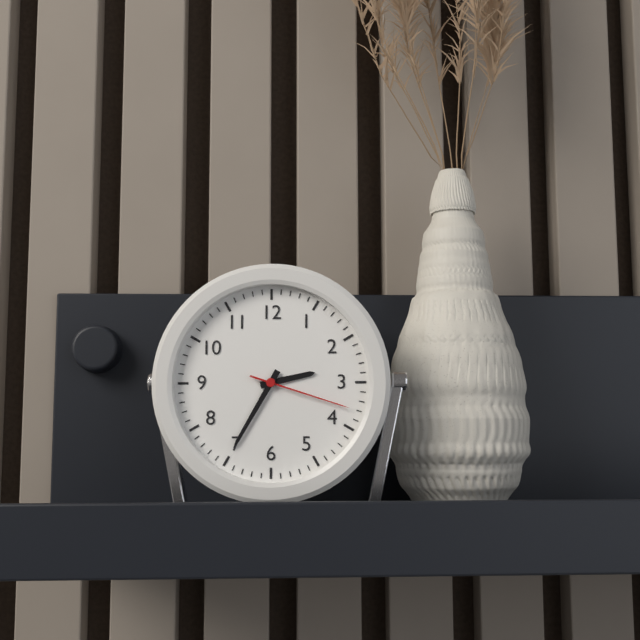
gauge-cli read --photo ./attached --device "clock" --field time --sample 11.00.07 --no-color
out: 2.35.18
